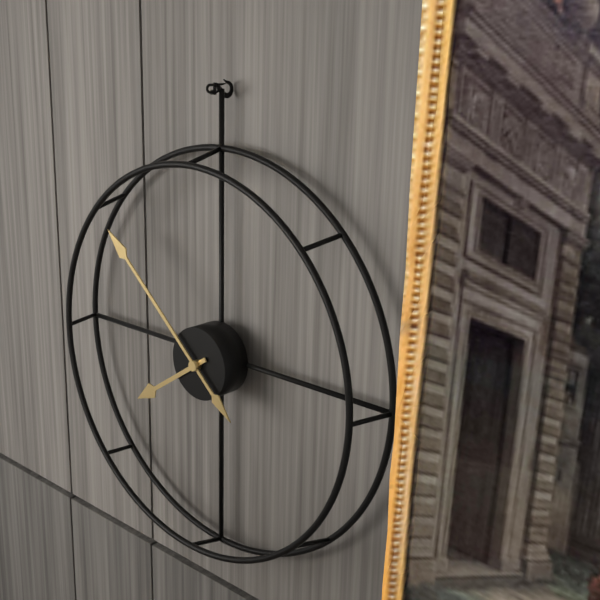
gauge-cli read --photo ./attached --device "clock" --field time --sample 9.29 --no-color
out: 7.52
